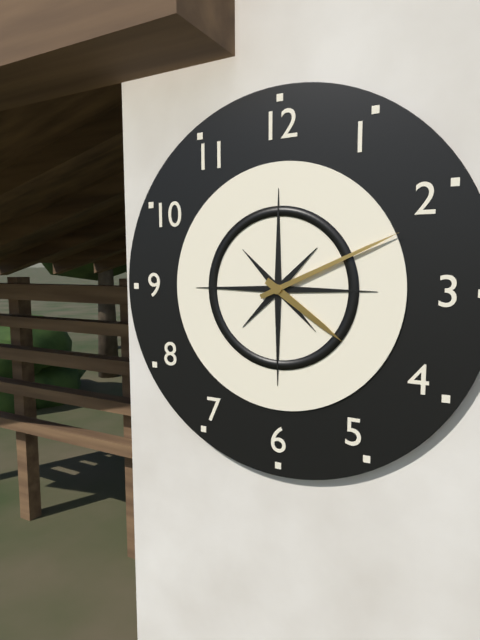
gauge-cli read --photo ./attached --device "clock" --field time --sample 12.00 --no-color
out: 4.11
